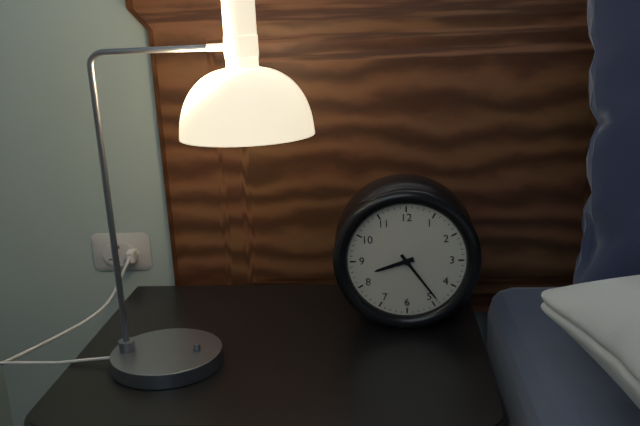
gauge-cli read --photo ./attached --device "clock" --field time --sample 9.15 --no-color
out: 8.24
